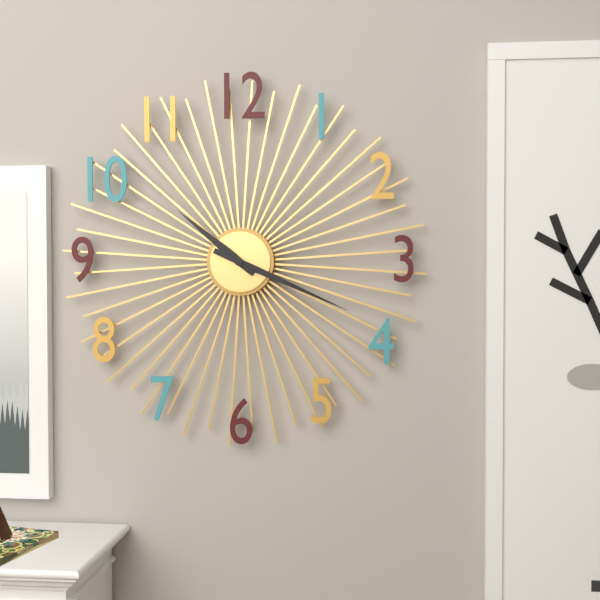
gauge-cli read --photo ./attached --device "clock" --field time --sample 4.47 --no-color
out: 10.19
